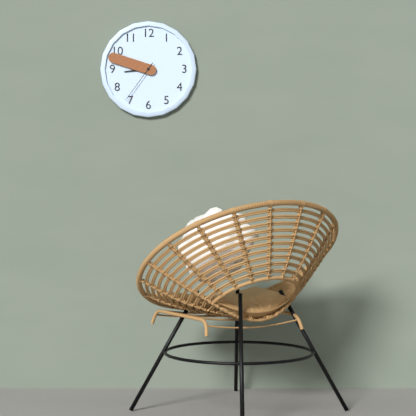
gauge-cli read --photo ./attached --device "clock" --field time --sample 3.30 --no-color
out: 8.48
